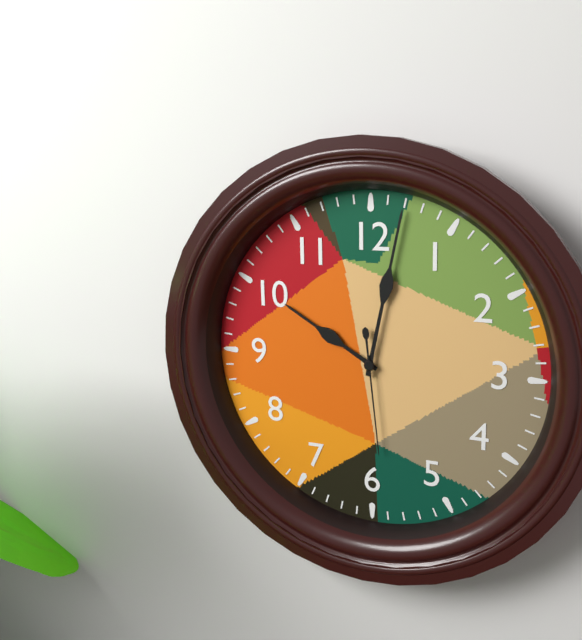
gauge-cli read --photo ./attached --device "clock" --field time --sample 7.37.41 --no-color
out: 10.02.29
